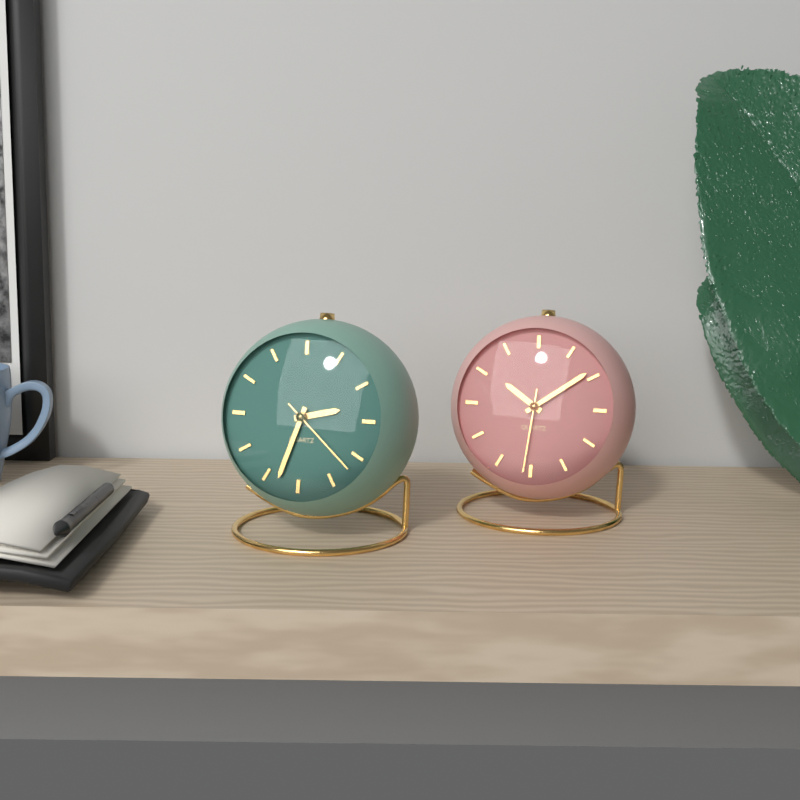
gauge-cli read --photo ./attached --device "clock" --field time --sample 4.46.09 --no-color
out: 2.33.22
